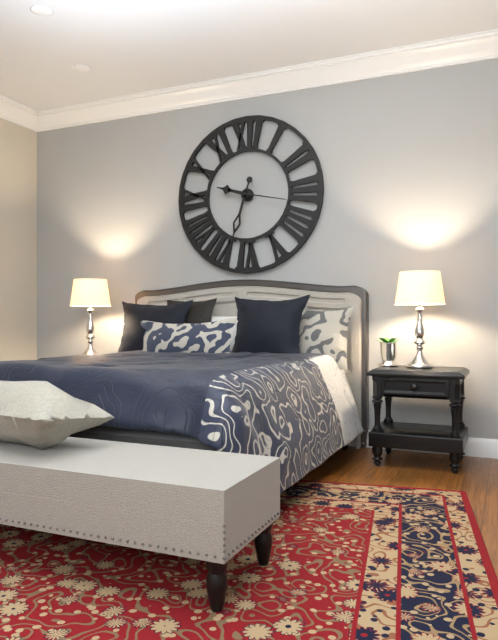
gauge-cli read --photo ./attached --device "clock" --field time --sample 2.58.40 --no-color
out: 9.33.17
